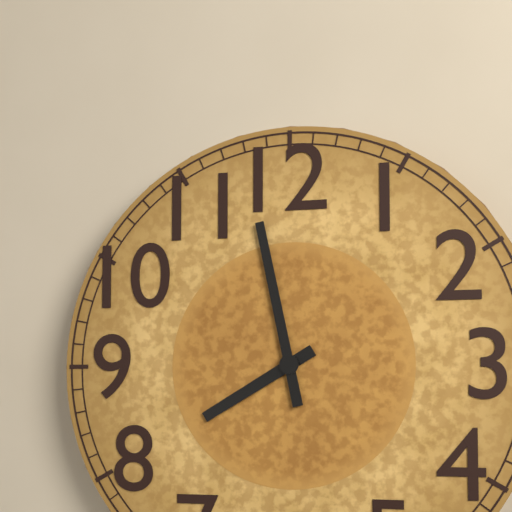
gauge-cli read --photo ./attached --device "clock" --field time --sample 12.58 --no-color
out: 7.58
